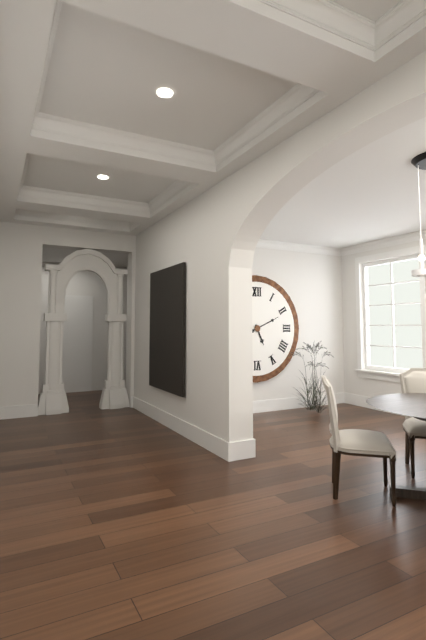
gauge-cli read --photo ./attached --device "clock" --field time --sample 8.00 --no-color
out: 5.11
